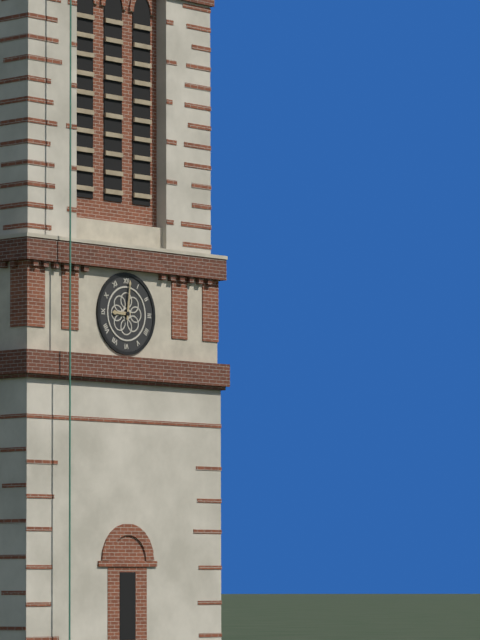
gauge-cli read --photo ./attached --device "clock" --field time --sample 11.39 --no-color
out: 9.01
